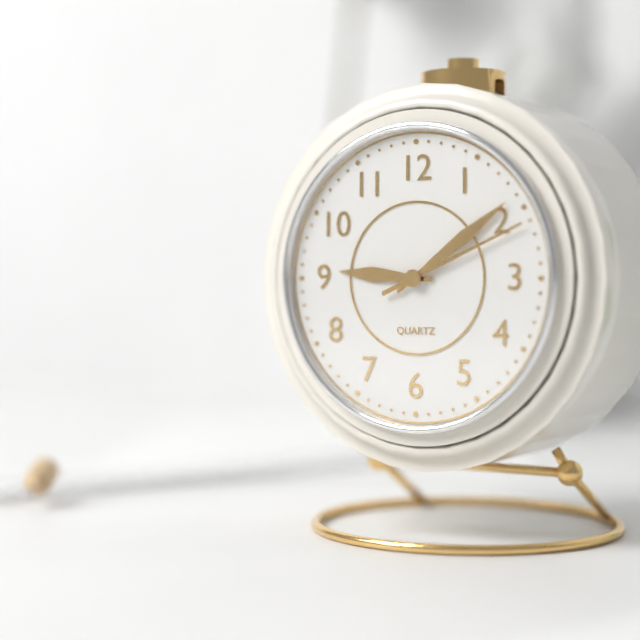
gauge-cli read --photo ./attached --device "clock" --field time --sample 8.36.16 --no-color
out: 9.09.11
